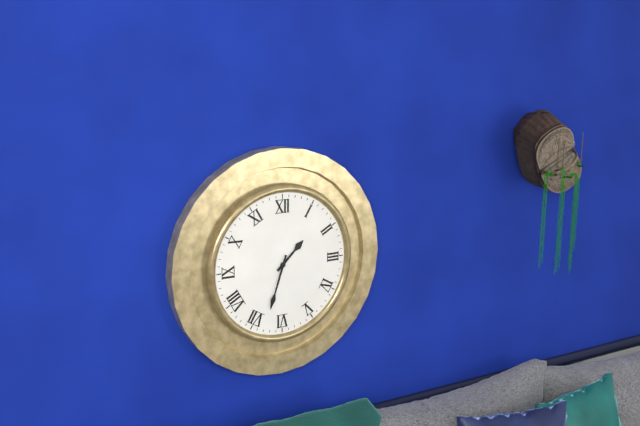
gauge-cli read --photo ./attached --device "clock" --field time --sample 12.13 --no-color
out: 1.33
